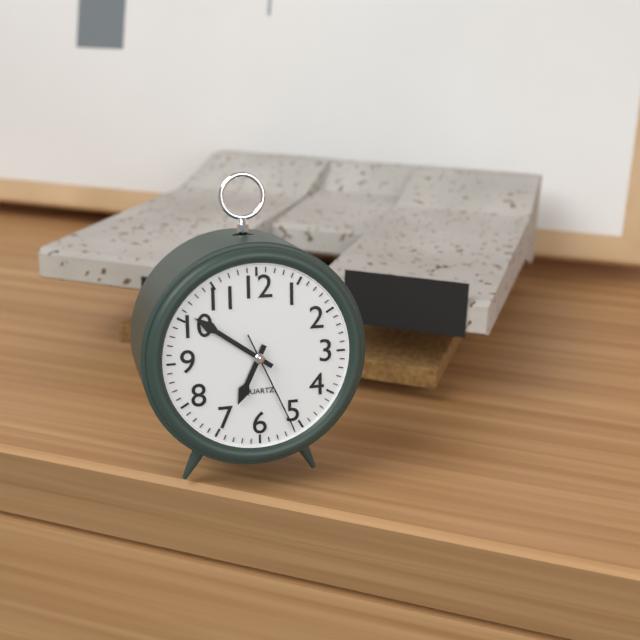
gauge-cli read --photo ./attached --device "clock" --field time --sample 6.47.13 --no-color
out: 6.51.26
